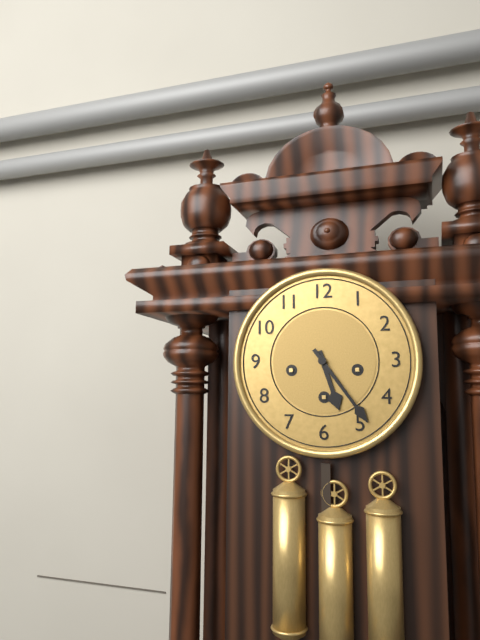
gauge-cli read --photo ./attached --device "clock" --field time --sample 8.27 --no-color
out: 5.24
